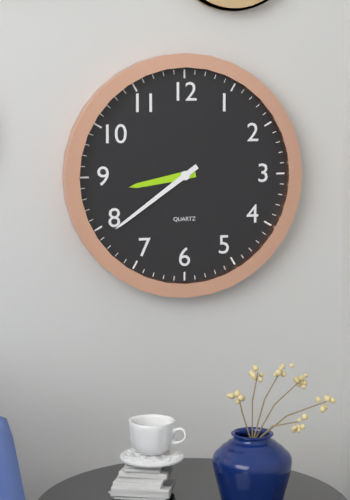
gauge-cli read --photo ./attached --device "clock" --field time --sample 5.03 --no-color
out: 8.39
